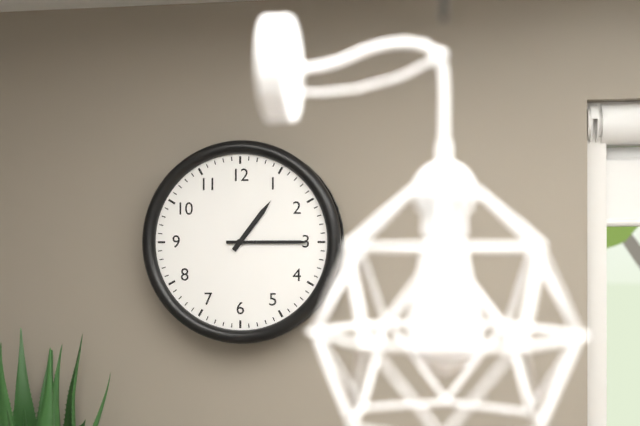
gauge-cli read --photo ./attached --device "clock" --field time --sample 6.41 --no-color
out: 1.15
